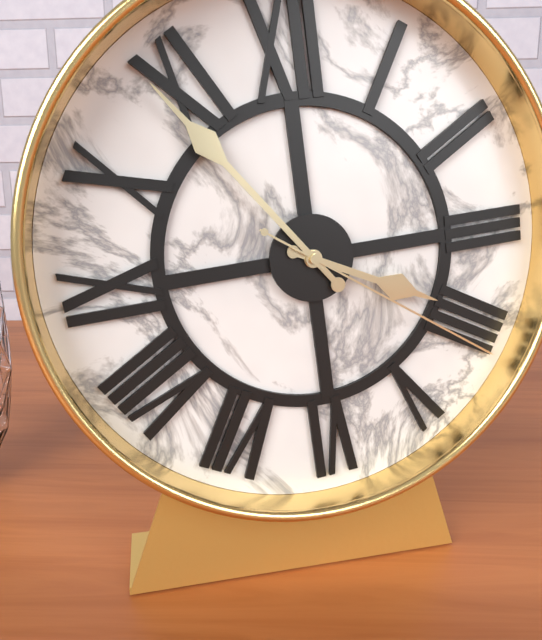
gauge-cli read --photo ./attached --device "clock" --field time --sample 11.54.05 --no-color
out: 3.54.21
